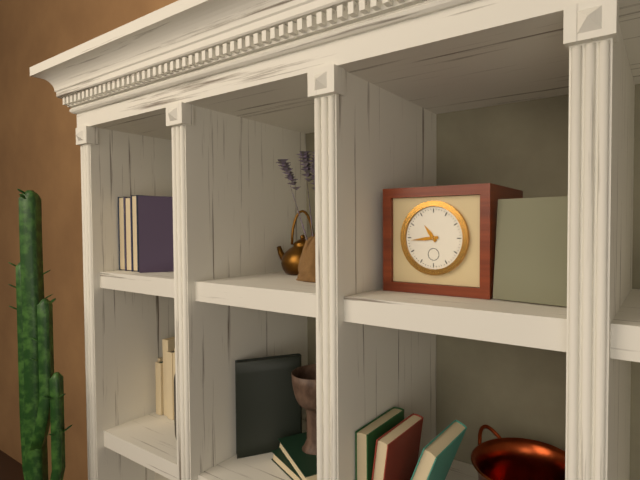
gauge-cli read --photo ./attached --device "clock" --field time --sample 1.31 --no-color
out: 10.44
